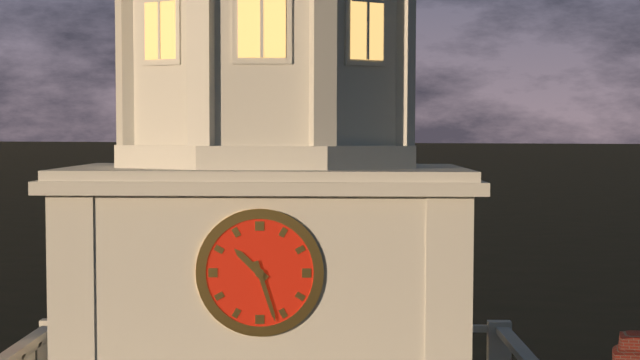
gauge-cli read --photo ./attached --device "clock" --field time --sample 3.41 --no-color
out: 10.27
